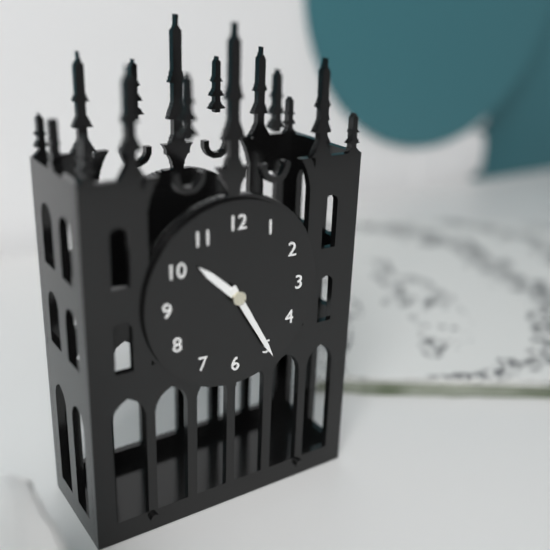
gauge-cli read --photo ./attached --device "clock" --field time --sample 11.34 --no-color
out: 10.25
